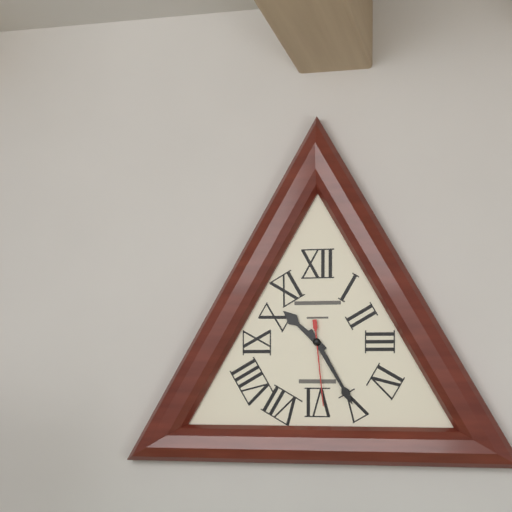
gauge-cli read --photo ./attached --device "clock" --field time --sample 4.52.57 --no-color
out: 10.25.29
